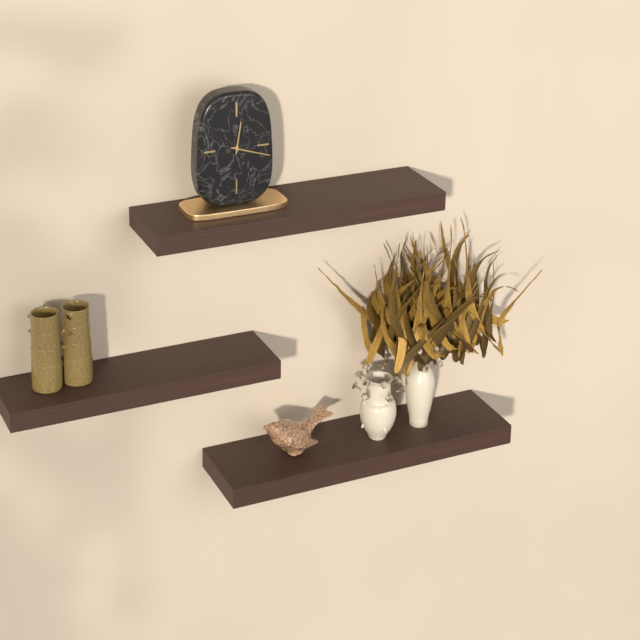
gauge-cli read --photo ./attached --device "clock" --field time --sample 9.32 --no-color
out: 12.18
